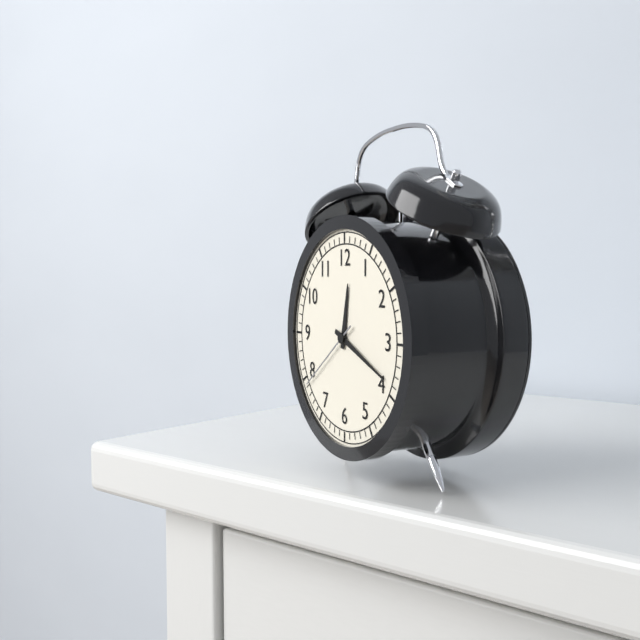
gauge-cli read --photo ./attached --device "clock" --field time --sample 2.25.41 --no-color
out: 12.19.39
